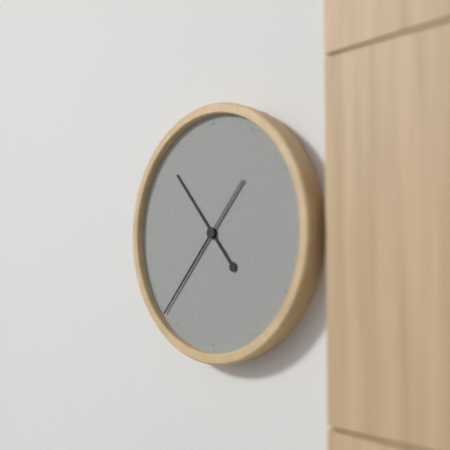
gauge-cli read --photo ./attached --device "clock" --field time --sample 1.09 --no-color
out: 10.37
